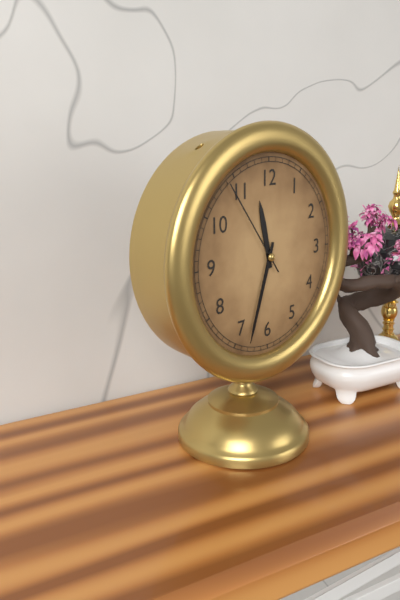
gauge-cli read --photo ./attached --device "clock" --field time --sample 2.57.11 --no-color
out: 11.33.54
